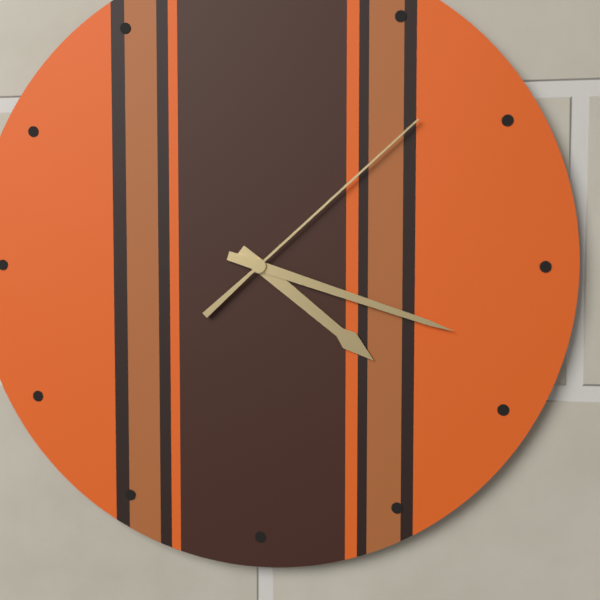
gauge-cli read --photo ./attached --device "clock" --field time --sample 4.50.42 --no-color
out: 4.18.08
